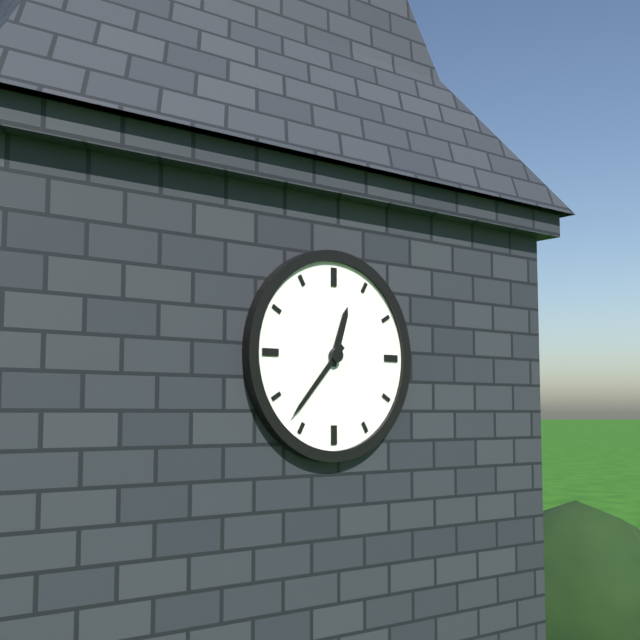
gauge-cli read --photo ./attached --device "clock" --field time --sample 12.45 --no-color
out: 12.37
